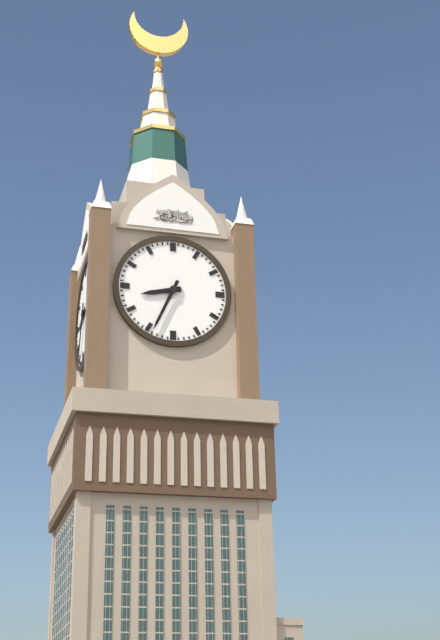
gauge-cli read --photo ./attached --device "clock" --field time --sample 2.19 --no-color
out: 8.34
